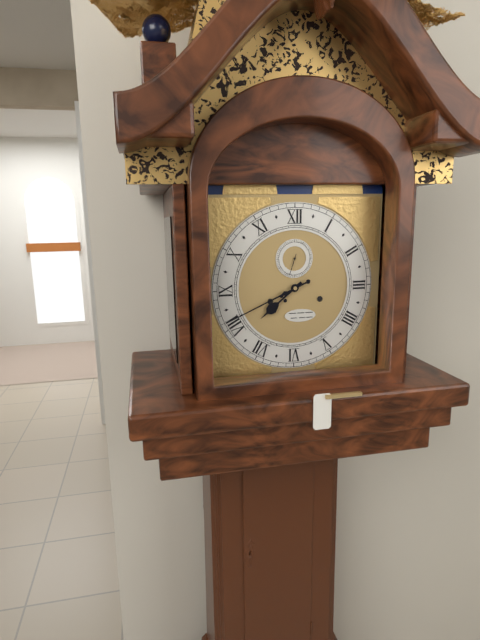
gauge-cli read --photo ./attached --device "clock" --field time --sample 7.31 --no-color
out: 7.41
